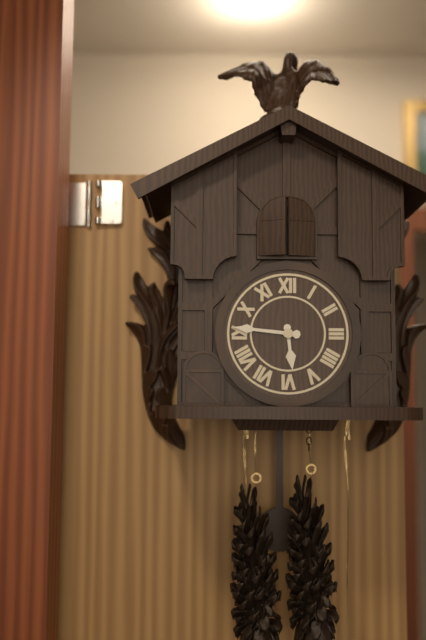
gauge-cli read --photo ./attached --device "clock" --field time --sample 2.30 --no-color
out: 5.46
